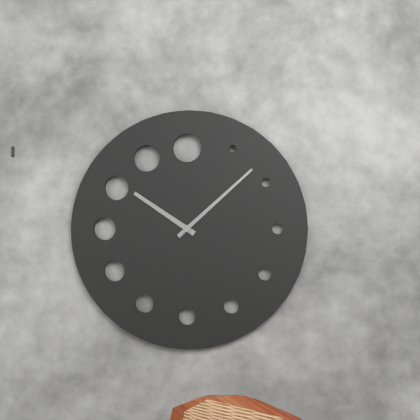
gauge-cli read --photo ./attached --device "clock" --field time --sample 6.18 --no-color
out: 10.08
